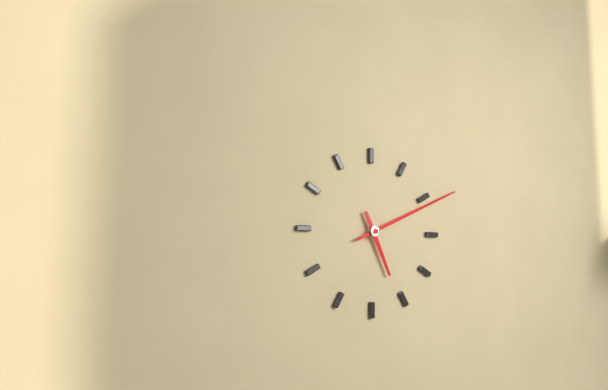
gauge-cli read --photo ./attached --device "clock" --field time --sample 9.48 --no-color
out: 5.11
